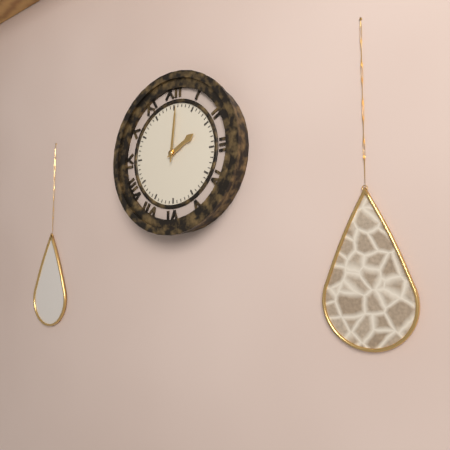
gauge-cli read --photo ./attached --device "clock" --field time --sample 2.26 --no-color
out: 2.01
